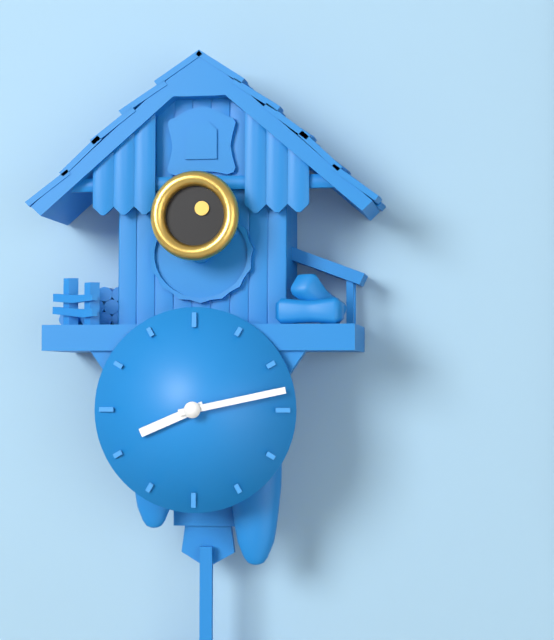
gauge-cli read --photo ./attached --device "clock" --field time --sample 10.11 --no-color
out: 8.13
